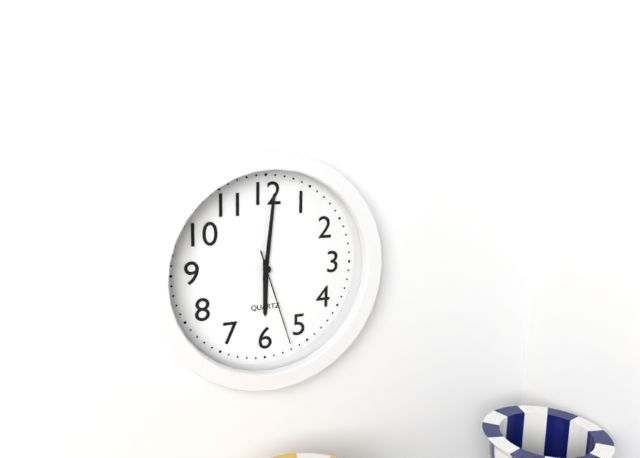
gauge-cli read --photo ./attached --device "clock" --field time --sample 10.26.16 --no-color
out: 6.01.27
